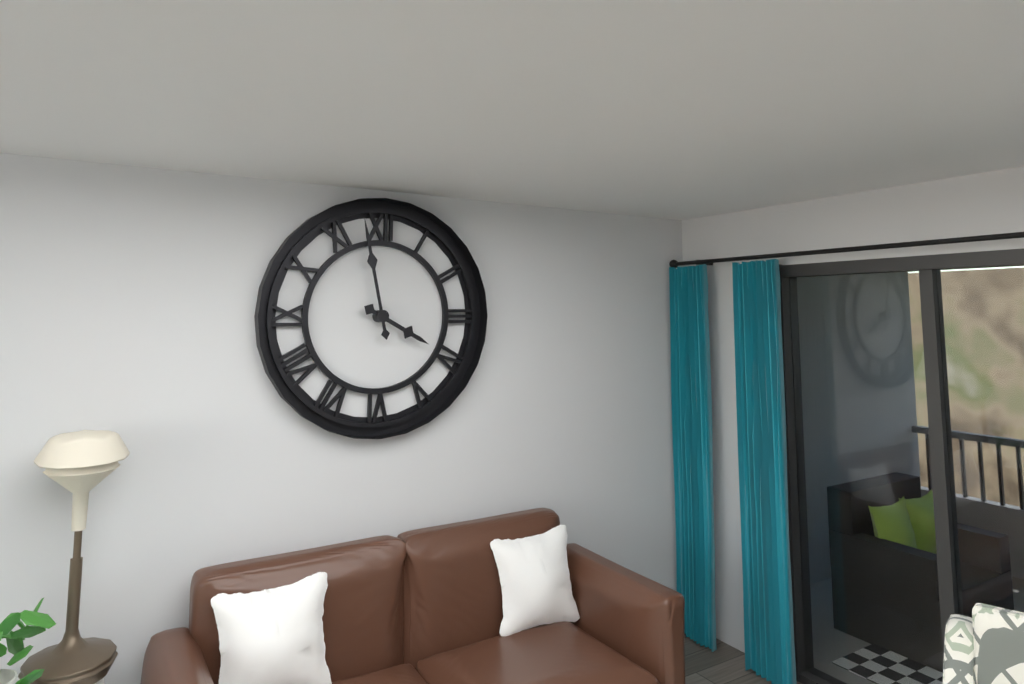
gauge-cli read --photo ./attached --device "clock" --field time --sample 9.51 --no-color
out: 3.58
